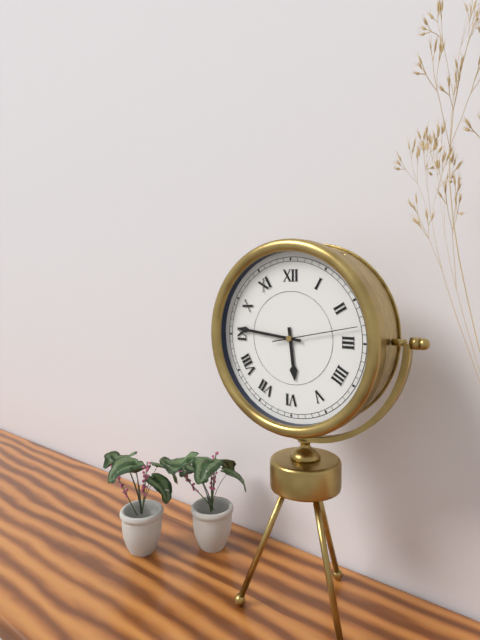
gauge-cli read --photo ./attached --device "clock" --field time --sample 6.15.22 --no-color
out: 5.46.13
